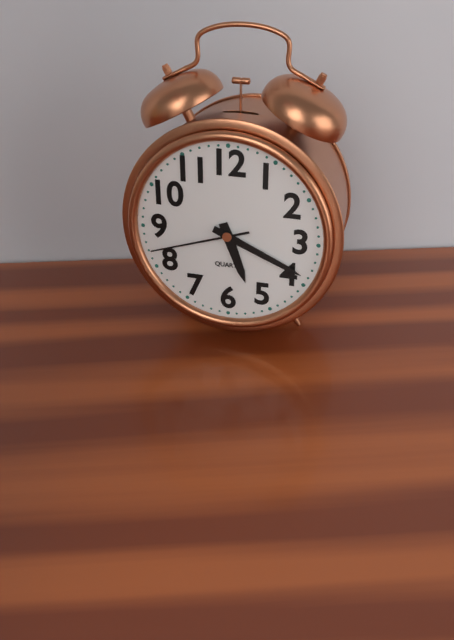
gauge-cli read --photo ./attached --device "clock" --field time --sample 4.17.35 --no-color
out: 5.19.42
